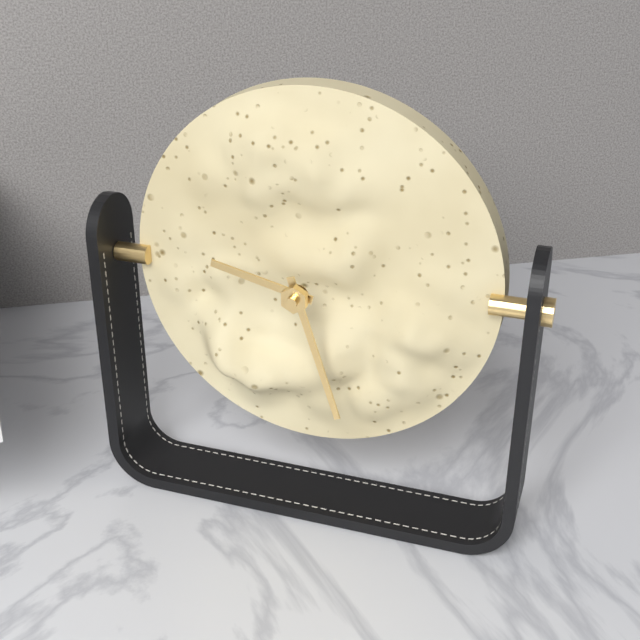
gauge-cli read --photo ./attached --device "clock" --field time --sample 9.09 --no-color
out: 9.27
